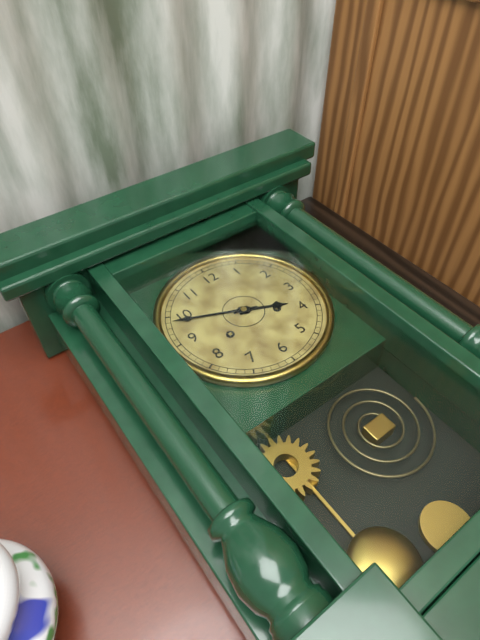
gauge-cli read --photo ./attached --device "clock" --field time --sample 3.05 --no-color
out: 3.49
